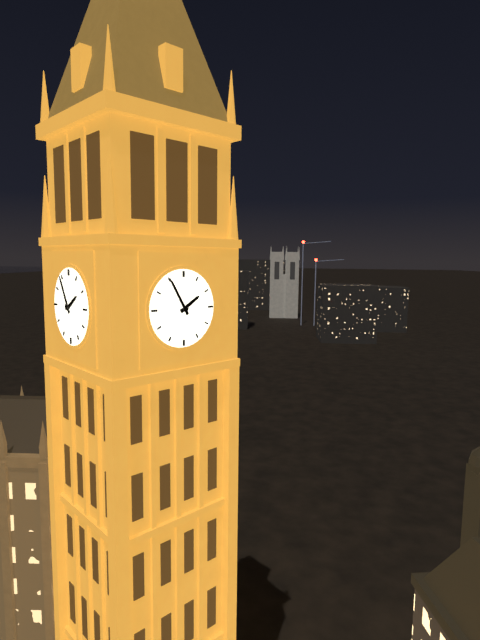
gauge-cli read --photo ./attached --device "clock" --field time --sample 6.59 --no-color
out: 1.55
